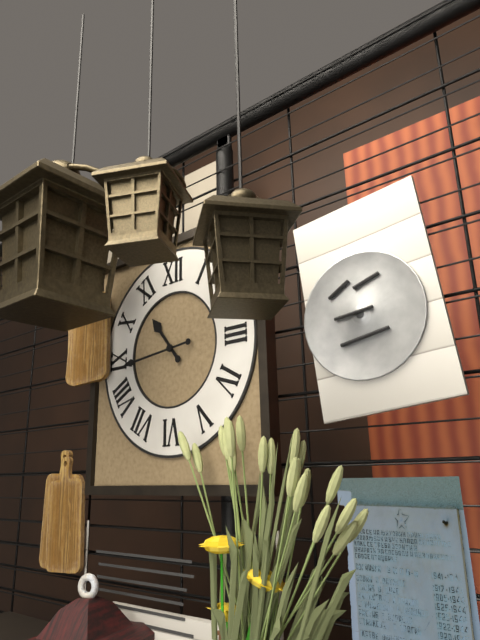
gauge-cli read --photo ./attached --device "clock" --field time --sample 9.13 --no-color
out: 10.44
